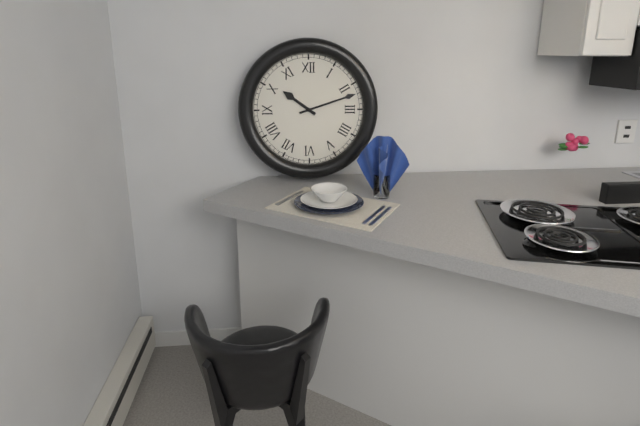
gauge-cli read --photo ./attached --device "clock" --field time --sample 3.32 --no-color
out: 10.12
